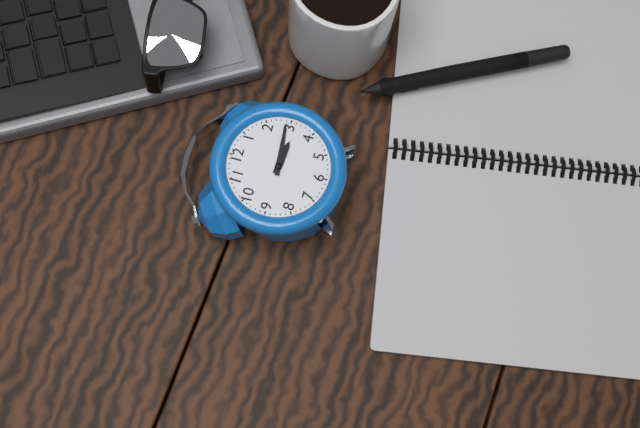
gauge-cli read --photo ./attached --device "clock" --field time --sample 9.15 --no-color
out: 3.14
